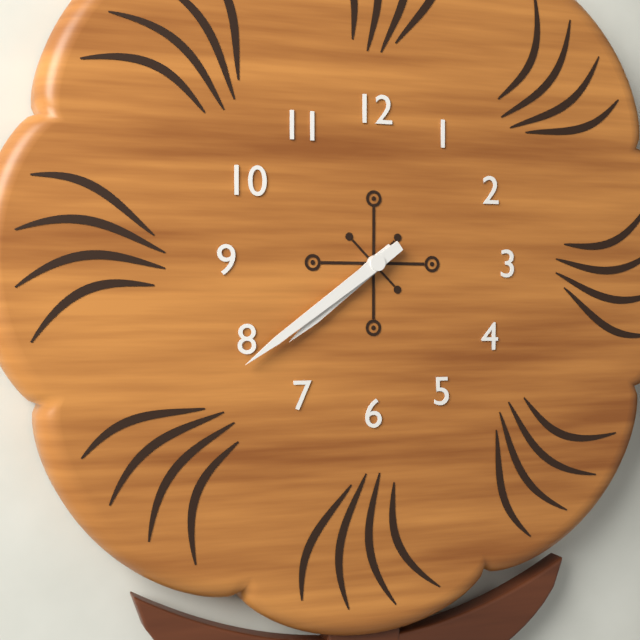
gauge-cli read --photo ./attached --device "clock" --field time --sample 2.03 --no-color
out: 7.39
